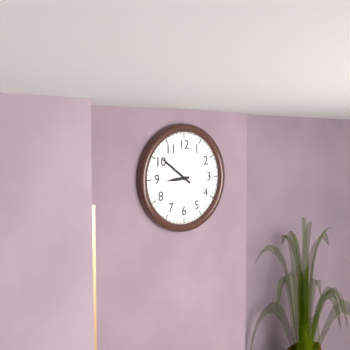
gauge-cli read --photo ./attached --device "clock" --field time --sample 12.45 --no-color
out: 8.51
